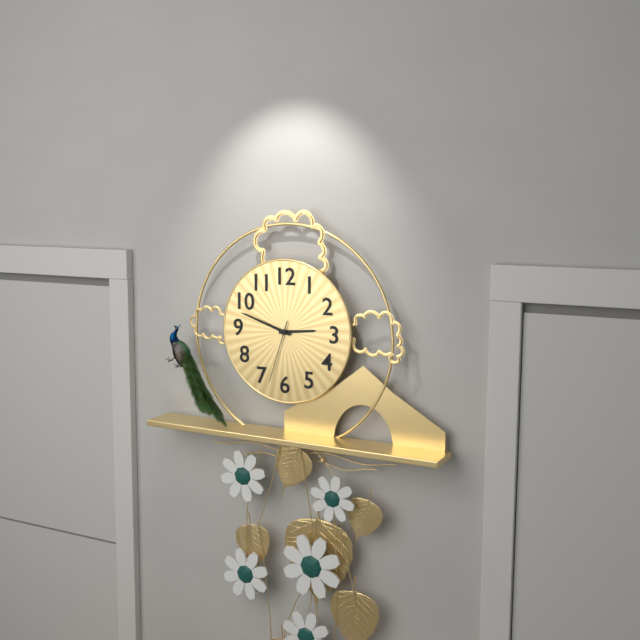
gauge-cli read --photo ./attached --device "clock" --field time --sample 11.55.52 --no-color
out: 2.48.33
